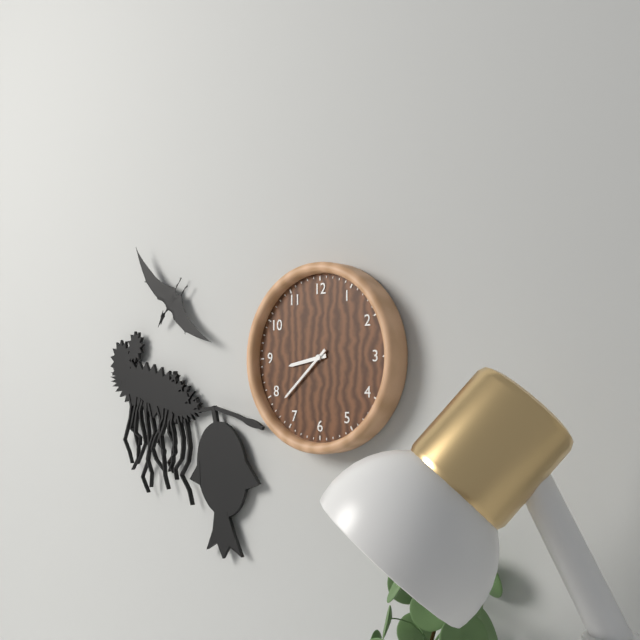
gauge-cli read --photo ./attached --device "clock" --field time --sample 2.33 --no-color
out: 8.38
